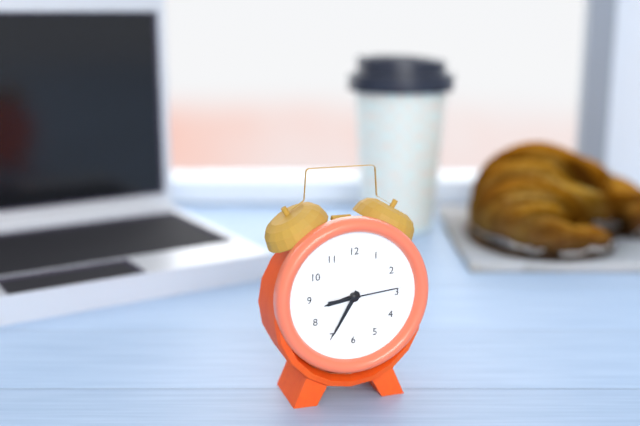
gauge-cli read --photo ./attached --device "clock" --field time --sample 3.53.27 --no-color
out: 8.35.14
